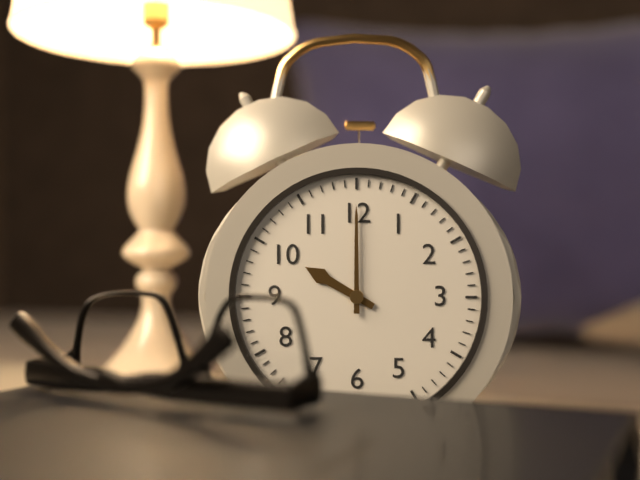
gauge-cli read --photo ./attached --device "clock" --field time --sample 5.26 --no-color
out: 10.00
